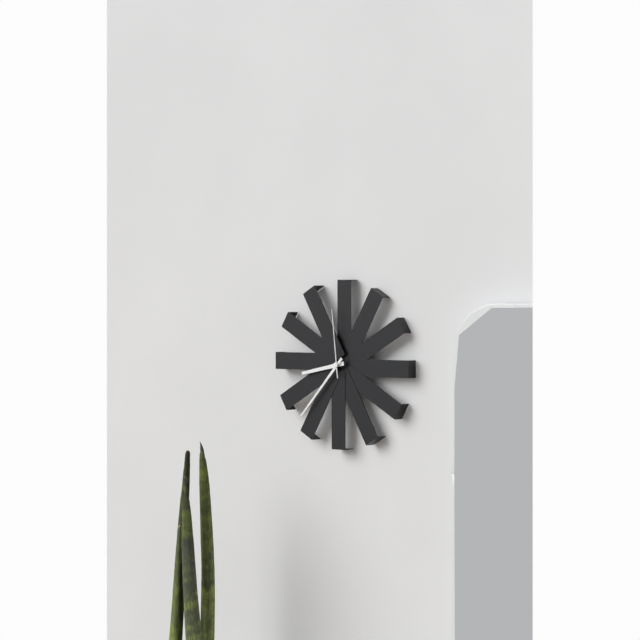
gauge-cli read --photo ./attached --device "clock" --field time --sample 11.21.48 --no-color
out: 8.37.59
